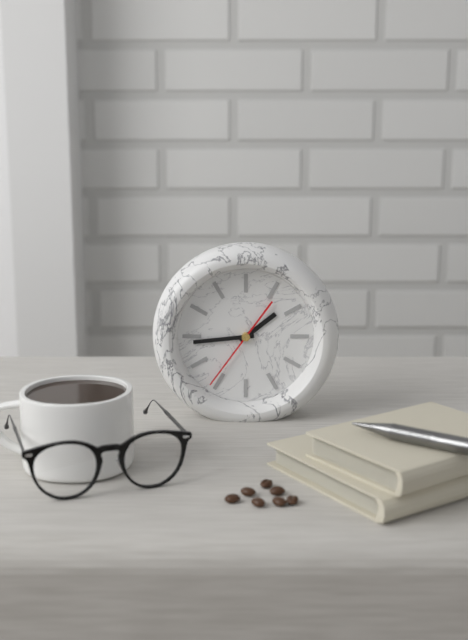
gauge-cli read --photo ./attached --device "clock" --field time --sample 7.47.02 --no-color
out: 1.44.36
